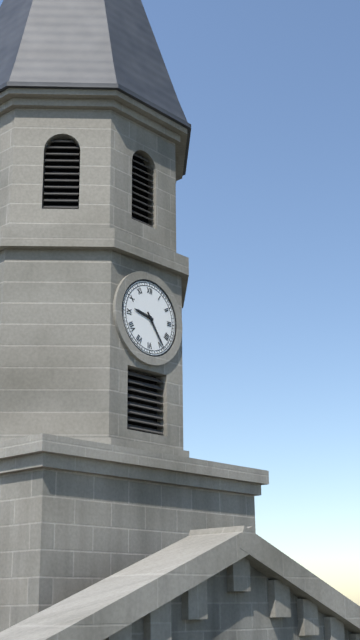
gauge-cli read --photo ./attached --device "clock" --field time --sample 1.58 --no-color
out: 9.24
